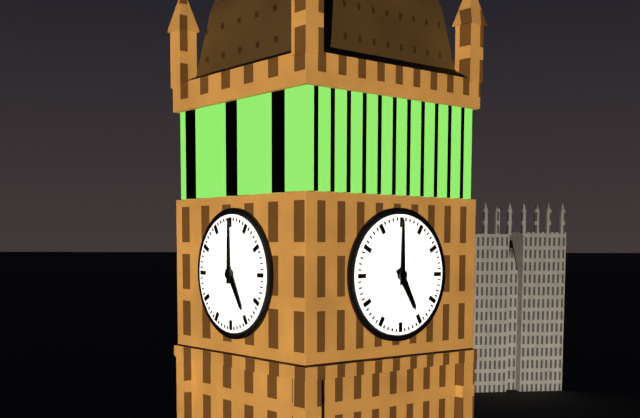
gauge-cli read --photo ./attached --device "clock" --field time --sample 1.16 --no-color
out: 5.00
